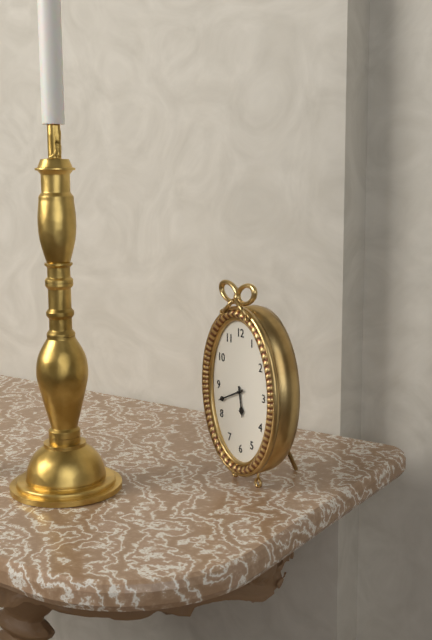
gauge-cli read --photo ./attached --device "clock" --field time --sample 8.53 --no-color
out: 5.41
